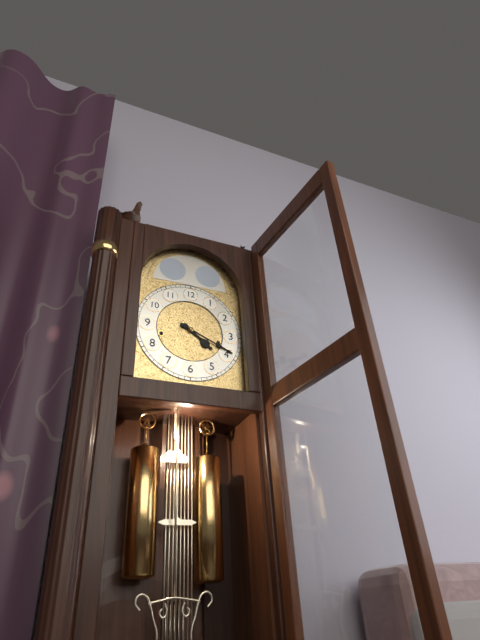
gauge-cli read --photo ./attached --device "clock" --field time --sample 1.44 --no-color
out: 4.19
